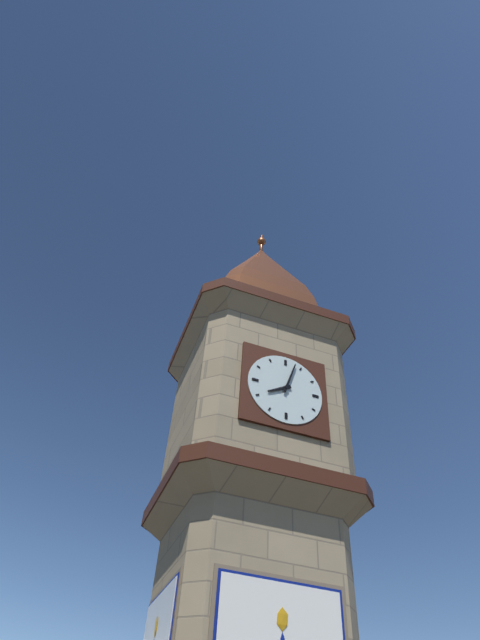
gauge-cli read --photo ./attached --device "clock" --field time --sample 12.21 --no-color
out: 8.03
